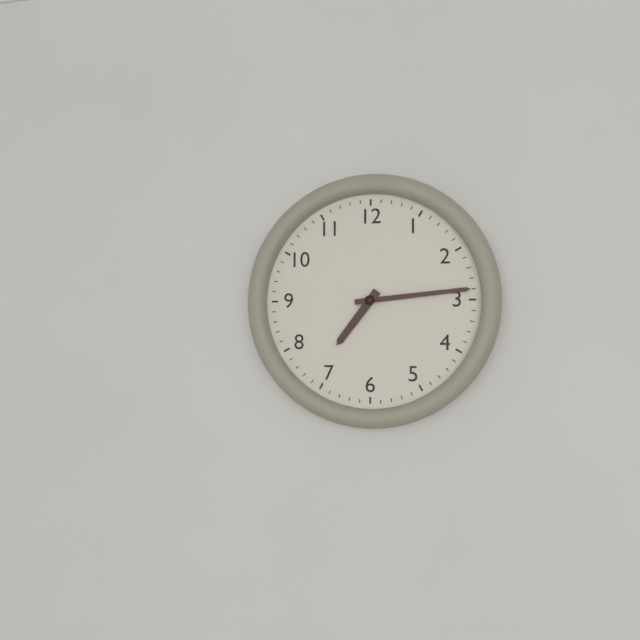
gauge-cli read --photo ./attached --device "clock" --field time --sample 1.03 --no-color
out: 7.14
